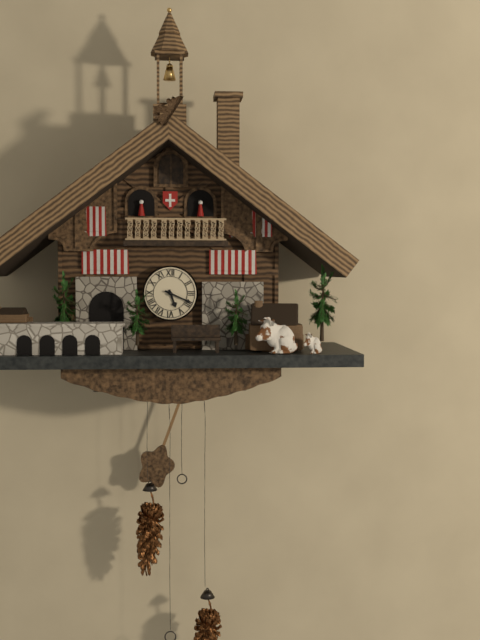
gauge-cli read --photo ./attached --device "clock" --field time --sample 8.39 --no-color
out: 5.19
